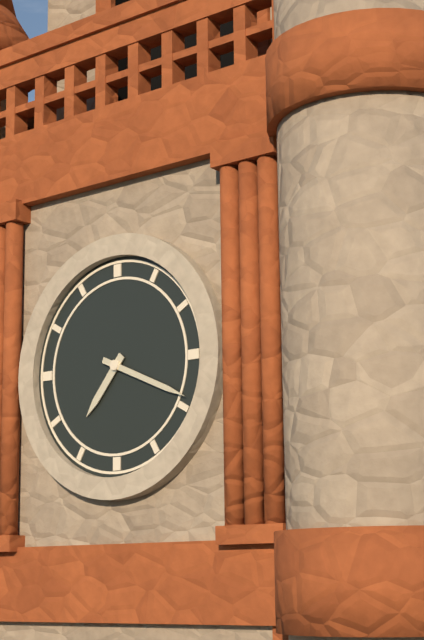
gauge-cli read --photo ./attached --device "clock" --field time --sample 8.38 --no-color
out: 7.19
